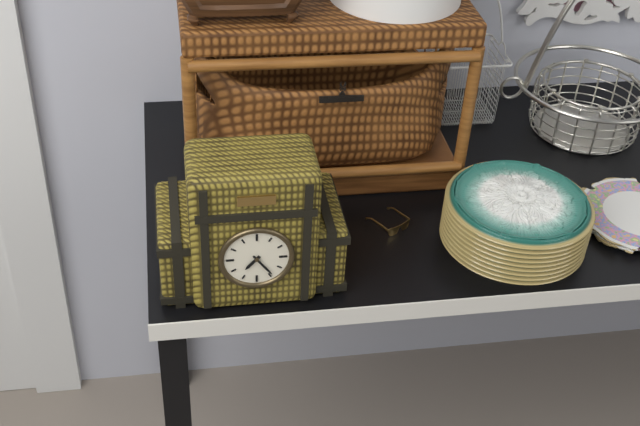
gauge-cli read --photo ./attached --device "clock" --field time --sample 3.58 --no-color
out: 7.24
